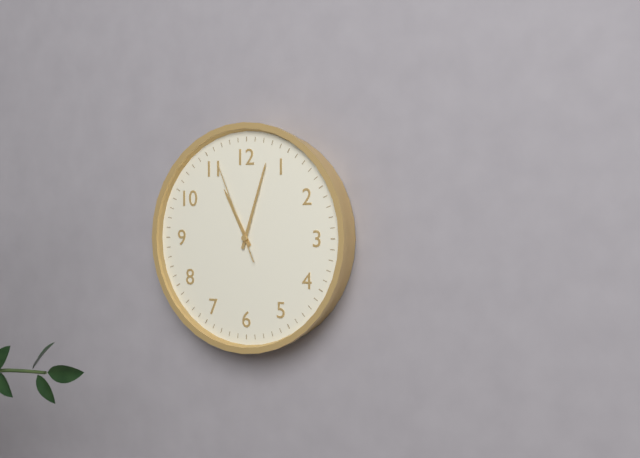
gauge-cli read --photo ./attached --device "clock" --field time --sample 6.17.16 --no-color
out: 11.03.56
